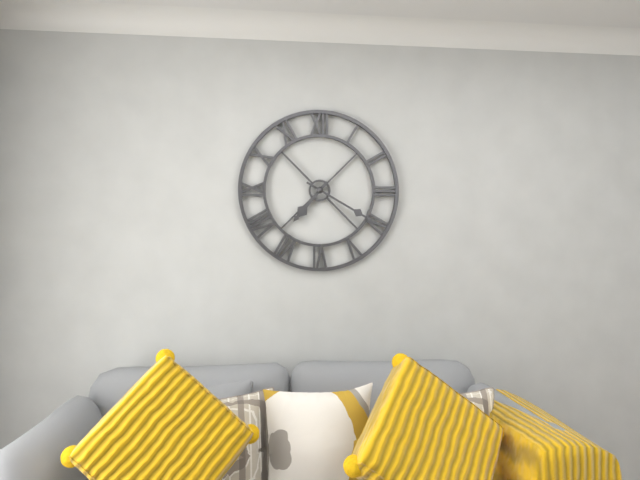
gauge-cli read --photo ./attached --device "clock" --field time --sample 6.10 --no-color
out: 7.20
